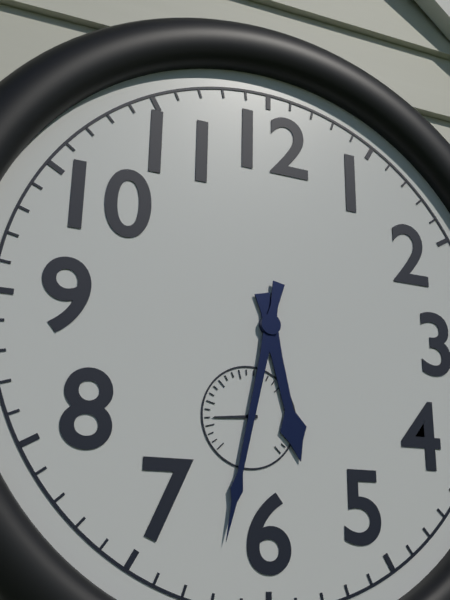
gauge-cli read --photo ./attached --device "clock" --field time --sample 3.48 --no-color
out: 5.32
